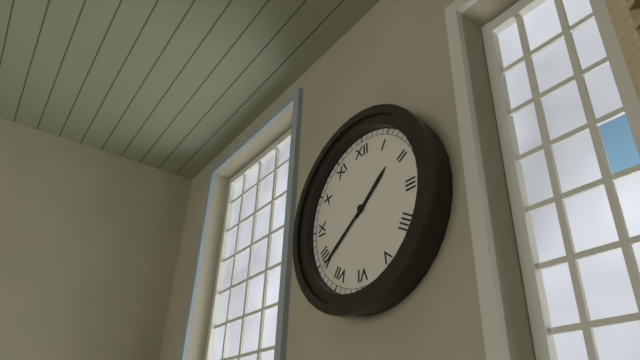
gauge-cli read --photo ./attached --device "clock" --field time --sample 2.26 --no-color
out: 1.39
